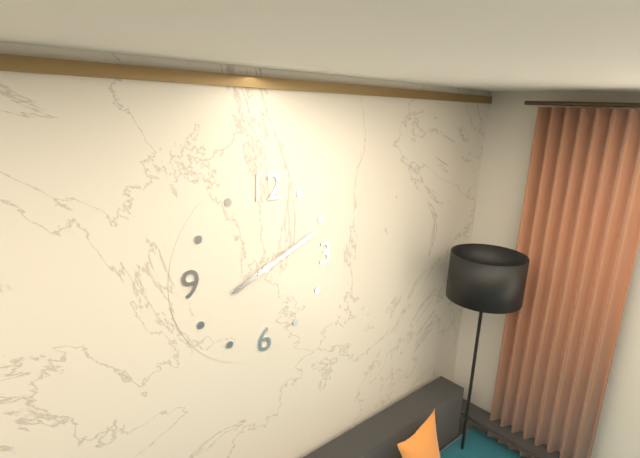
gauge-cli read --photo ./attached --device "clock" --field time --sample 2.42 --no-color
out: 8.11
